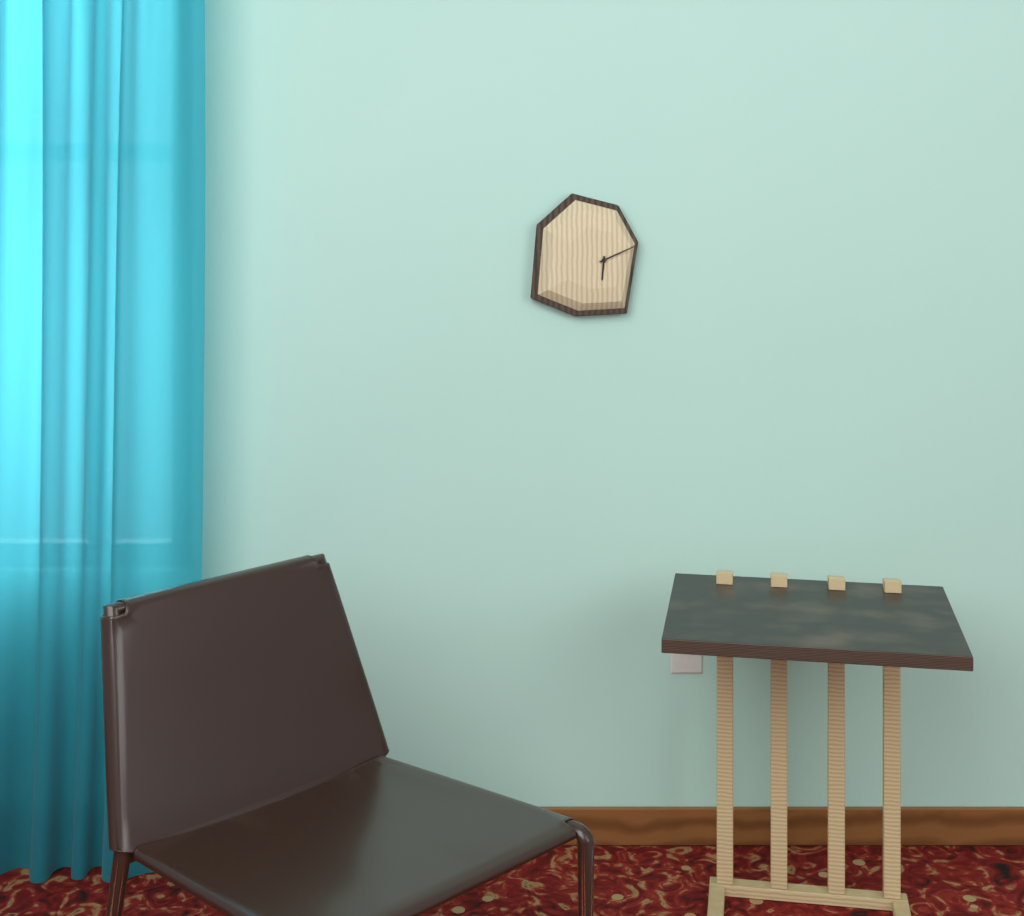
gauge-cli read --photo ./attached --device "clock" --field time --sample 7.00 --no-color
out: 6.11
